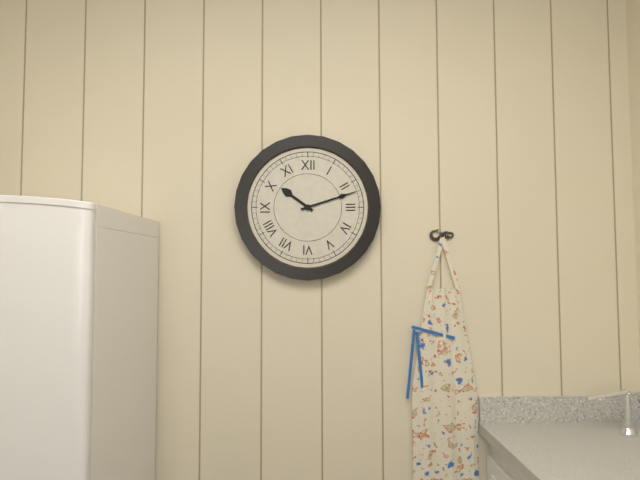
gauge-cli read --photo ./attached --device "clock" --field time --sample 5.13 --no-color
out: 10.12
